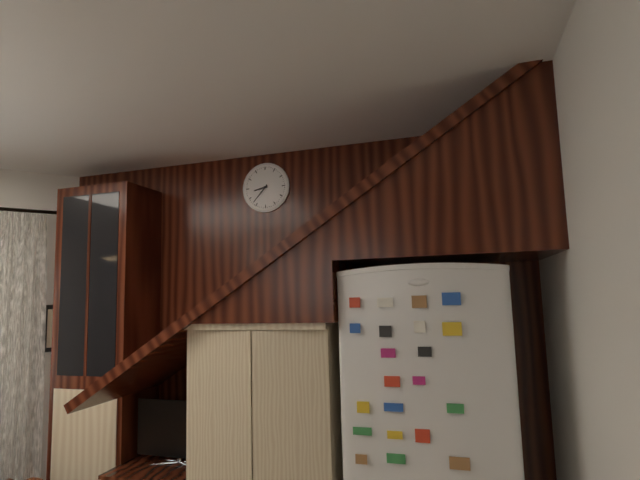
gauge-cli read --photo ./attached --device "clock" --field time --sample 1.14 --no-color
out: 8.37
